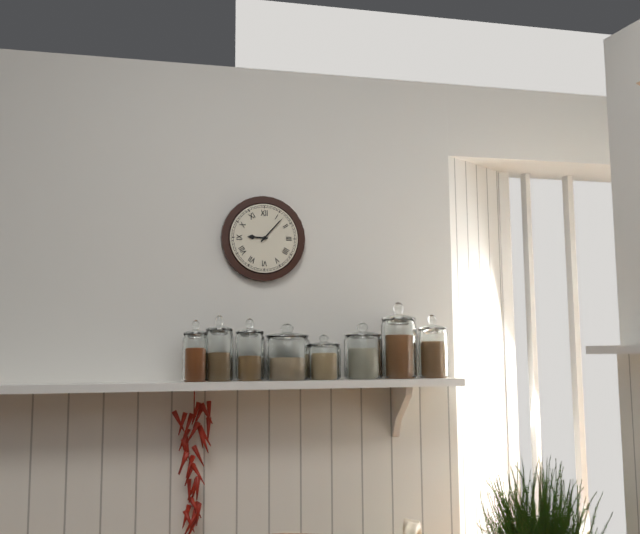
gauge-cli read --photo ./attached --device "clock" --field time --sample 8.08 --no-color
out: 9.07
